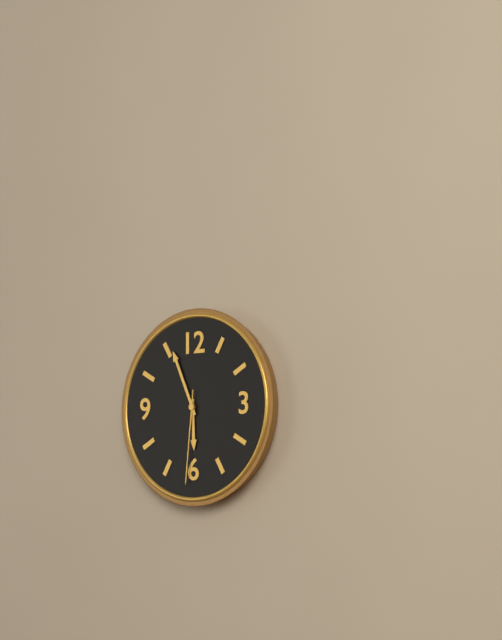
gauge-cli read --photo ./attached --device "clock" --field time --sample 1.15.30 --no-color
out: 5.56.31
